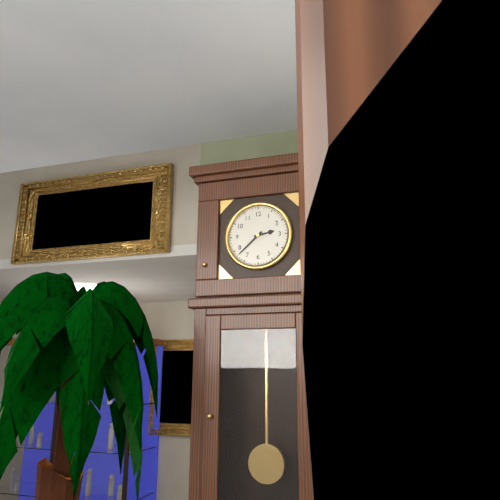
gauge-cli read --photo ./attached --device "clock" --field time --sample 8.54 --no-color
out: 2.38
